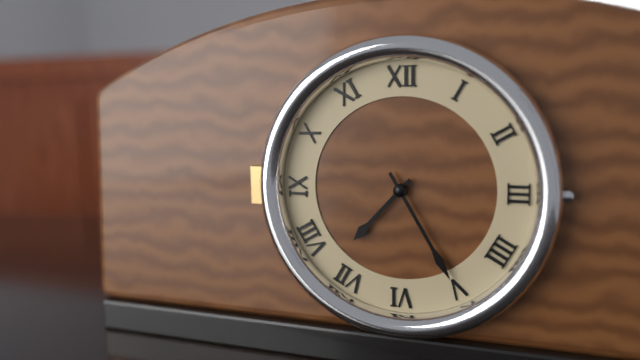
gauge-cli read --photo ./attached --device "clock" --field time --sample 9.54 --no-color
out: 7.25
